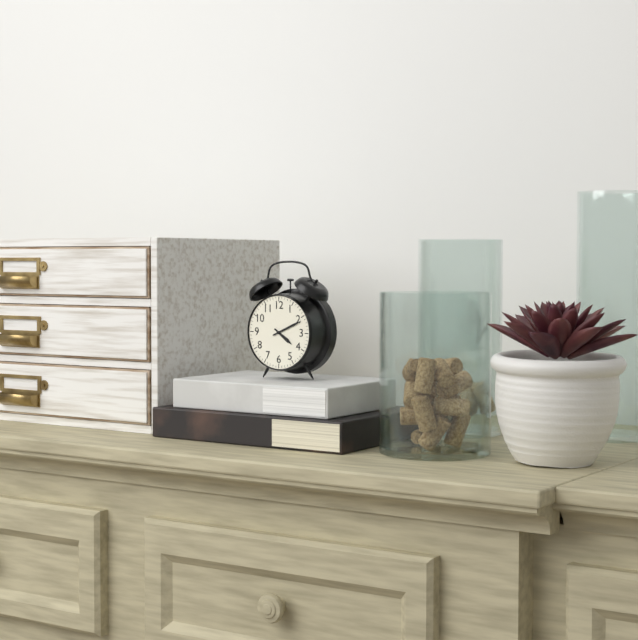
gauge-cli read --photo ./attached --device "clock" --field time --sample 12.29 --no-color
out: 4.11
